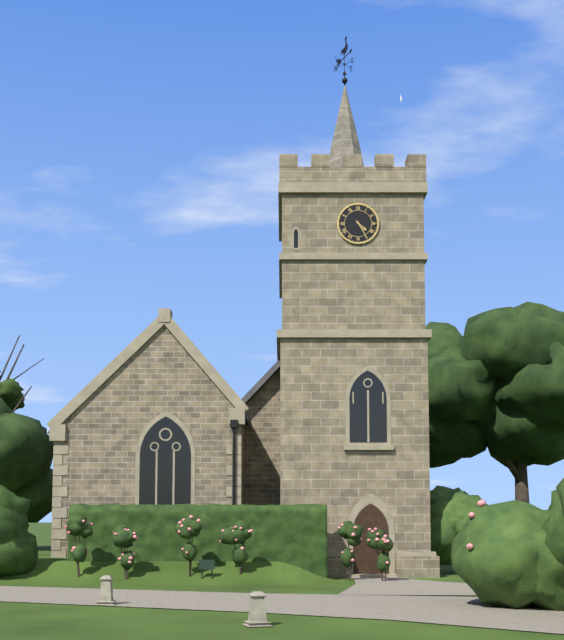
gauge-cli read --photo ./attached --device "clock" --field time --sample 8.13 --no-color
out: 4.25
